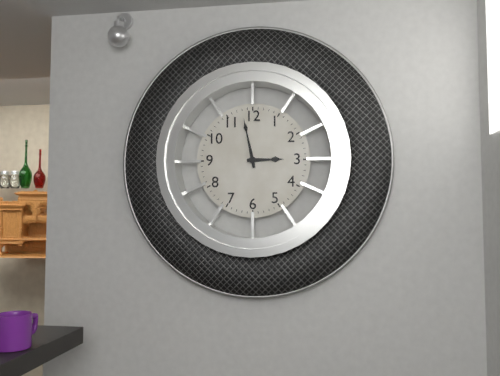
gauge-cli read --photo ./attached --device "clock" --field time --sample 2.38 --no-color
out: 2.58
